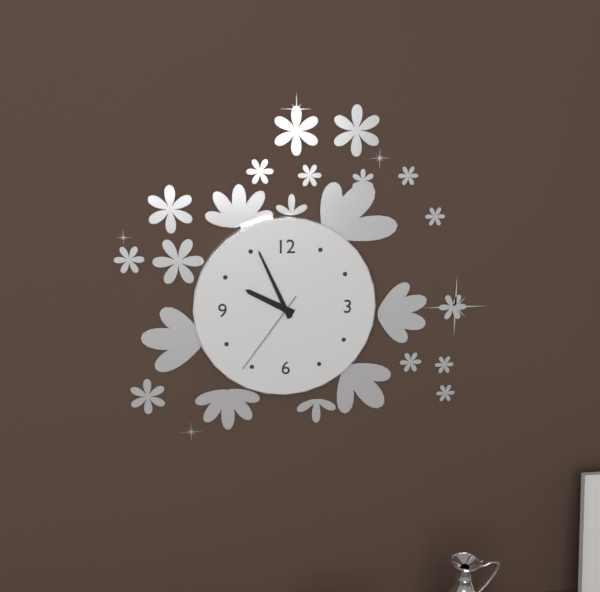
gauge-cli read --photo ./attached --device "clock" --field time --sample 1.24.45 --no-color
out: 9.56.36
